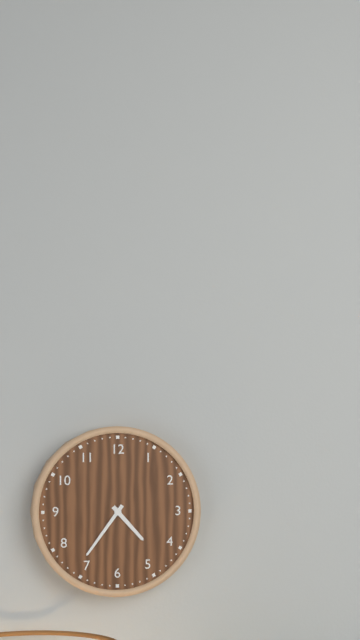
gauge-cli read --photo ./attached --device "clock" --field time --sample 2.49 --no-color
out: 4.36
